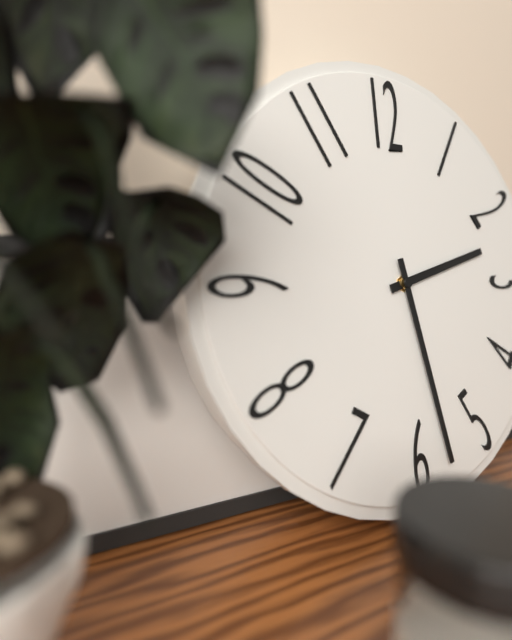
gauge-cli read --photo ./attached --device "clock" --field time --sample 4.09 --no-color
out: 2.28
